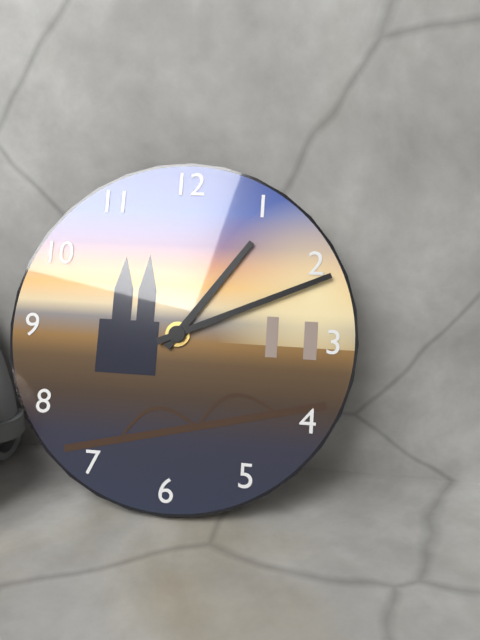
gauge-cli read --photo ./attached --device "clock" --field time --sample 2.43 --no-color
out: 1.11
